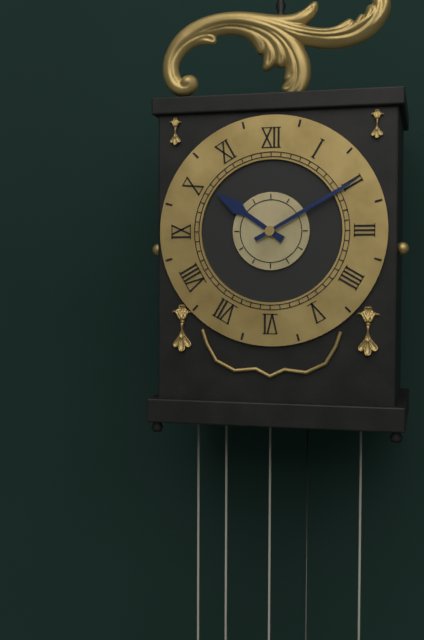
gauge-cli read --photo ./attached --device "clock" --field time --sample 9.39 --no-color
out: 10.10
